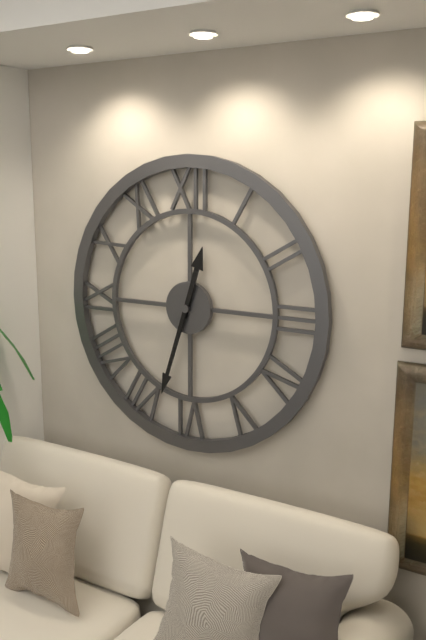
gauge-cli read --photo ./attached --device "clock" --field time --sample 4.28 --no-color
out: 12.33
